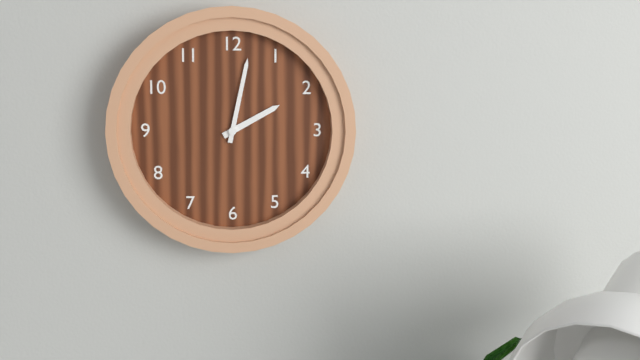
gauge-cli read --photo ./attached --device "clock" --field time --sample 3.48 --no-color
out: 2.02
